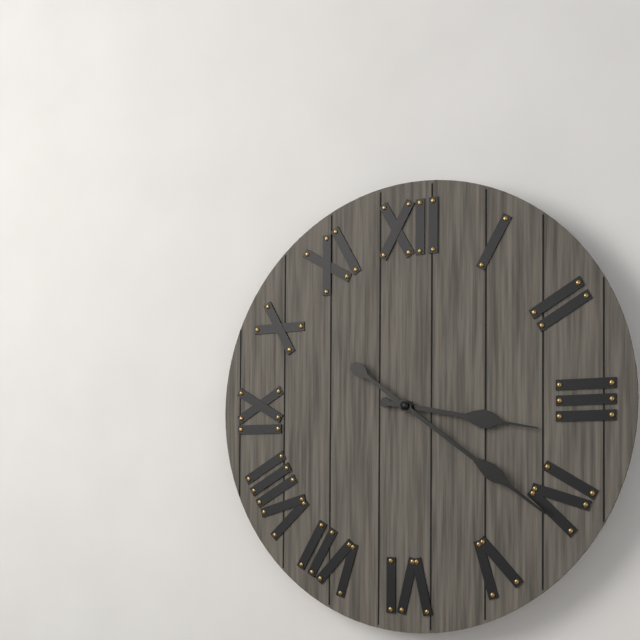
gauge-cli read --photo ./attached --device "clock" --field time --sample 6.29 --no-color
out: 3.21
